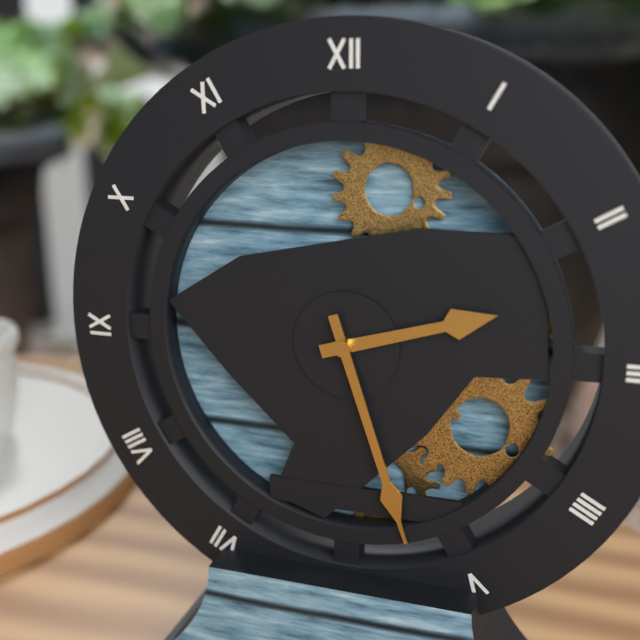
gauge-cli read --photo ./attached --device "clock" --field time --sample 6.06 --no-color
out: 2.27
